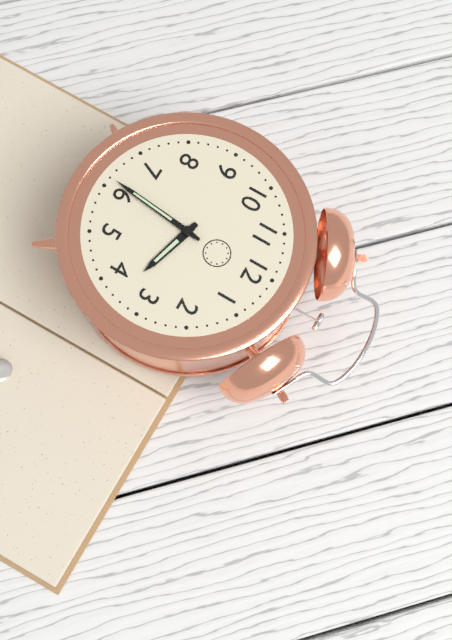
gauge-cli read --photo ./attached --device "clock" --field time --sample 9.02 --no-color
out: 3.31
